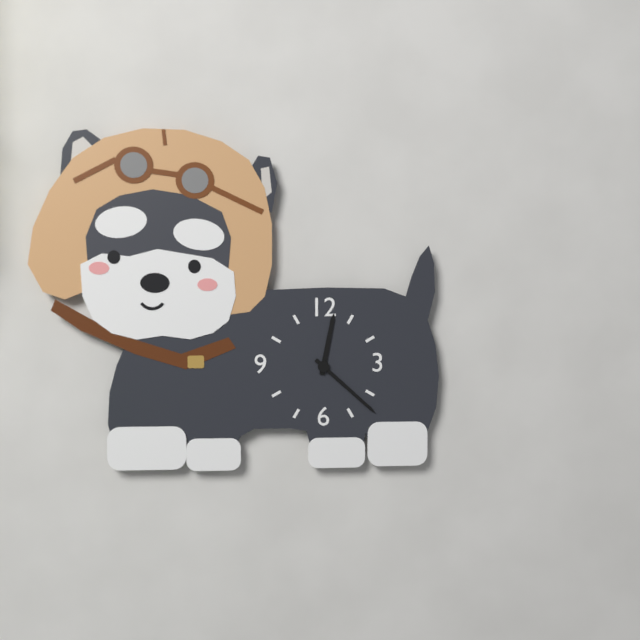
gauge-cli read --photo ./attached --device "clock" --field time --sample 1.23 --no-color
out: 12.22
